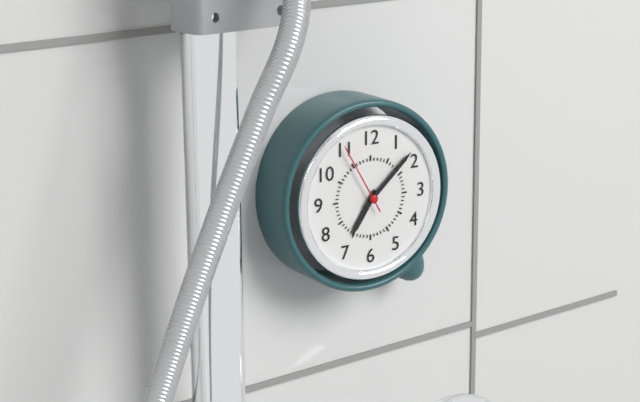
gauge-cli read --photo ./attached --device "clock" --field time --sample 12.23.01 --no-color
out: 7.08.55
